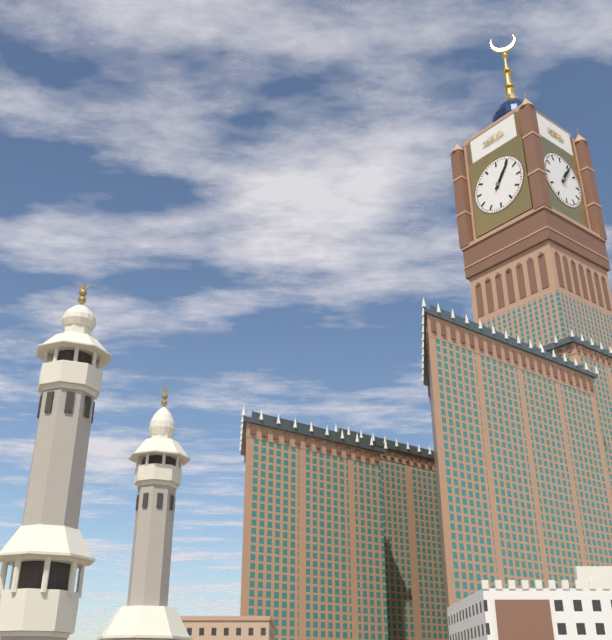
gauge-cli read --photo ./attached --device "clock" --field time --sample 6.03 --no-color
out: 1.06
